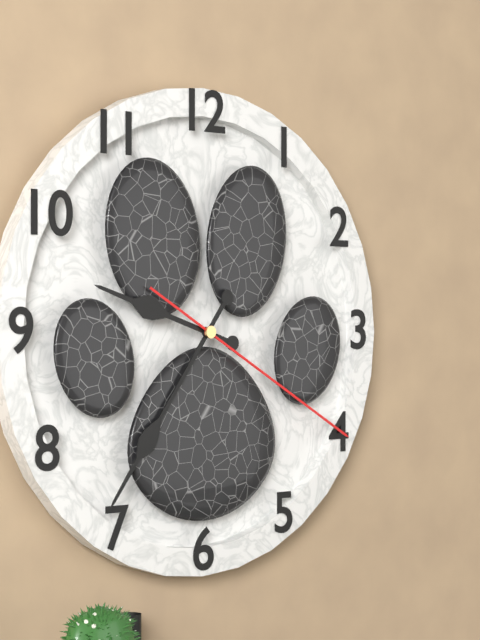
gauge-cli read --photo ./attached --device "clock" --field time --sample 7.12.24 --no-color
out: 9.36.20
